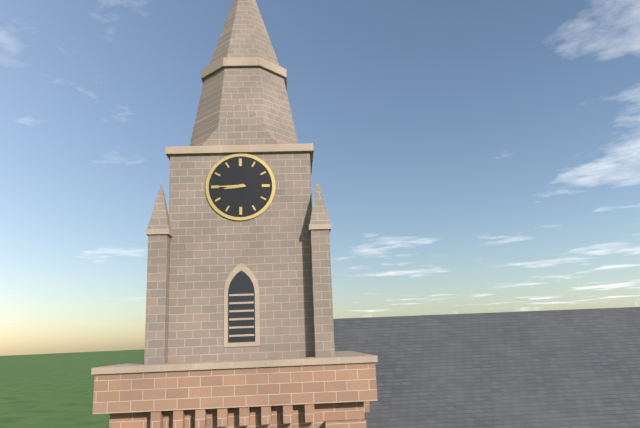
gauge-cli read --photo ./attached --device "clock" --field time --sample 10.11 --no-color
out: 8.45
